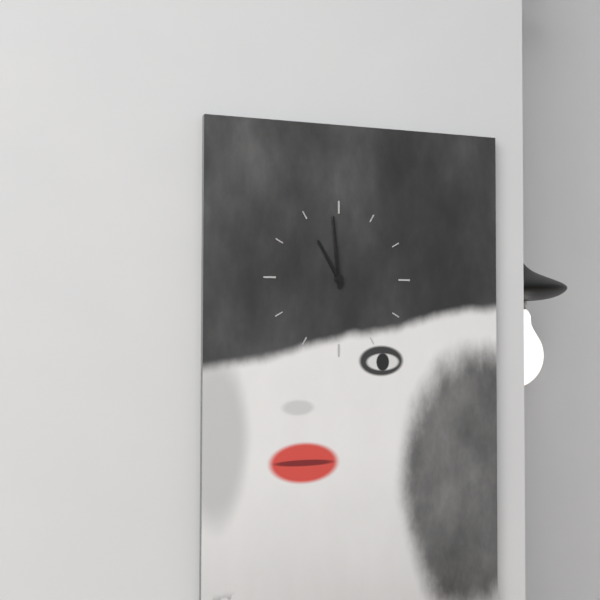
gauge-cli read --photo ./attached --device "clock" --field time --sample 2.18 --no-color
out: 10.59
